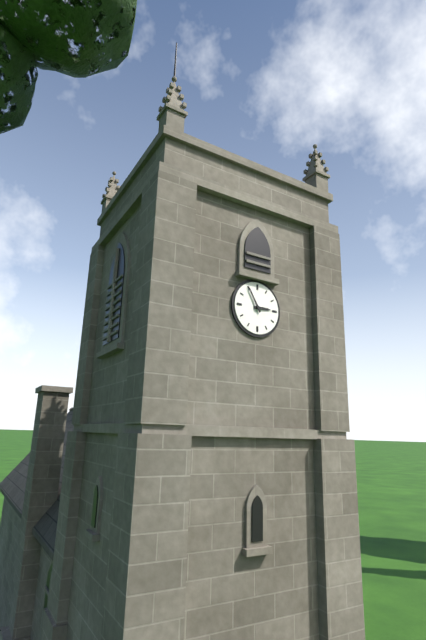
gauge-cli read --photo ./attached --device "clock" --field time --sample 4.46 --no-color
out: 2.55
